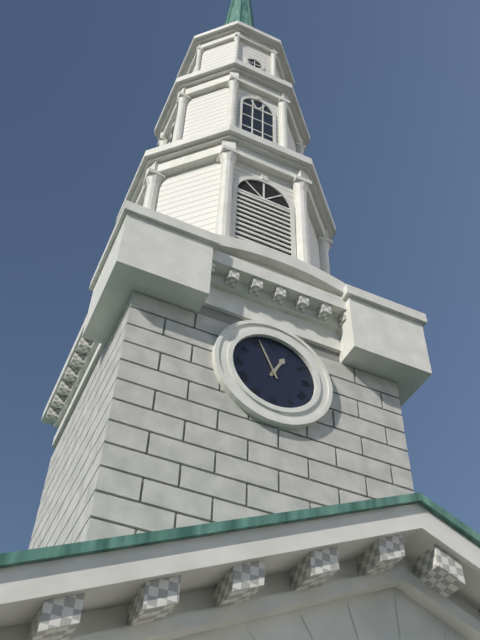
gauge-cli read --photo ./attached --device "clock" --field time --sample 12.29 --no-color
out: 12.56
